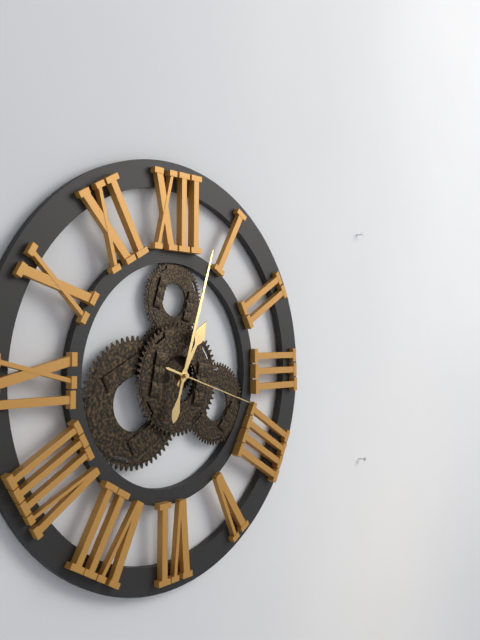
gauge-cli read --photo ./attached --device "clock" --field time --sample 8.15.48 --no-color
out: 1.03.18
